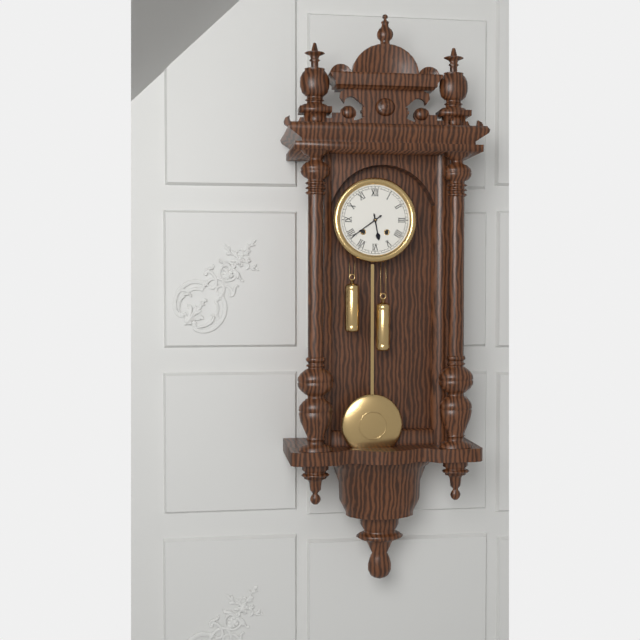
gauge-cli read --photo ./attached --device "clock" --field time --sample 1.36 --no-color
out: 5.39
